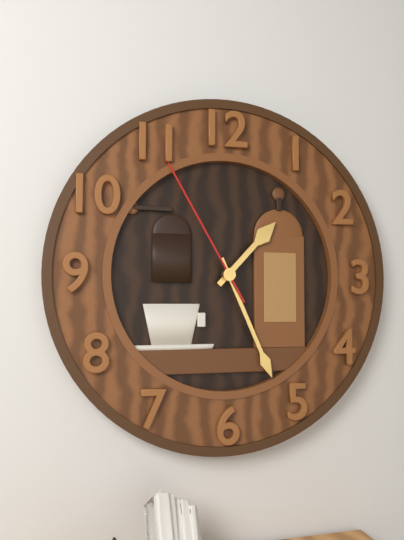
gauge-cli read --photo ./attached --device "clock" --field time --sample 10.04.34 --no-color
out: 1.26.55
